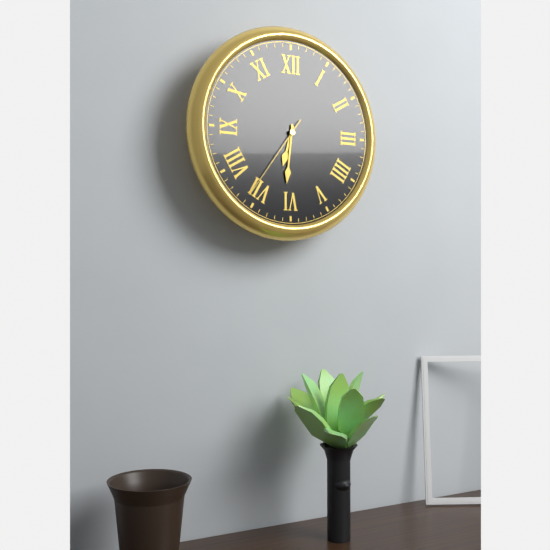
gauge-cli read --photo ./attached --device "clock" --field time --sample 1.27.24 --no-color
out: 6.31.36
